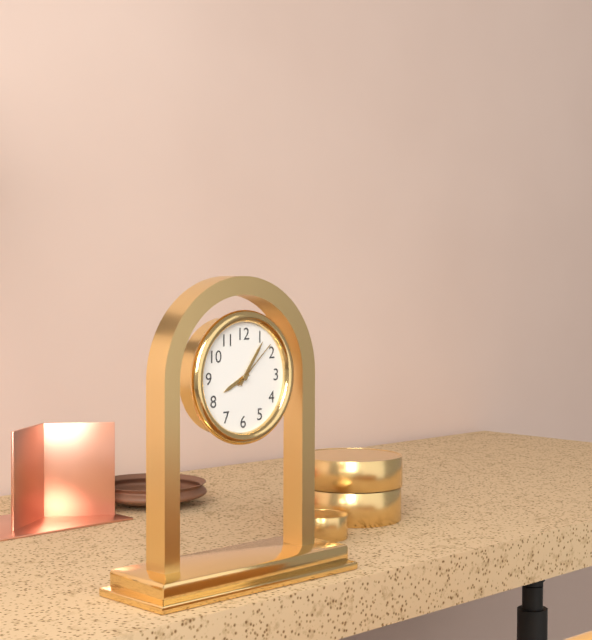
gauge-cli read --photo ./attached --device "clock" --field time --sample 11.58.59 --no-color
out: 8.06.08
